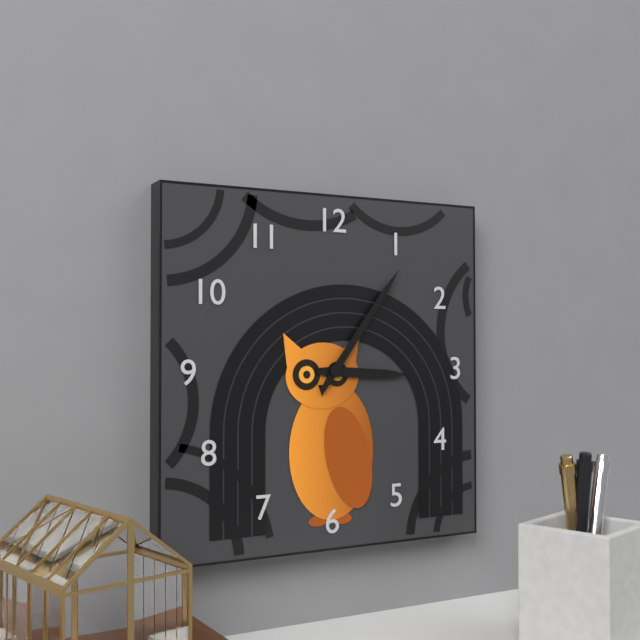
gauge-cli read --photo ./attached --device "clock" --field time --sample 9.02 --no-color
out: 3.06
